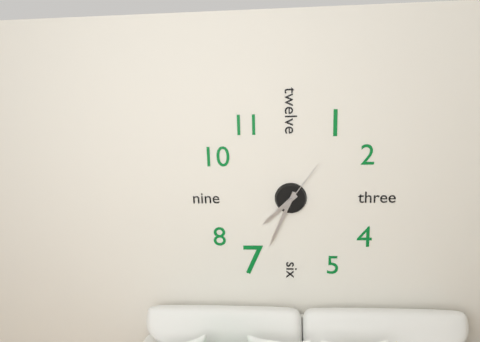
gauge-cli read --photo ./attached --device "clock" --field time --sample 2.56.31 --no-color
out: 7.34.06
